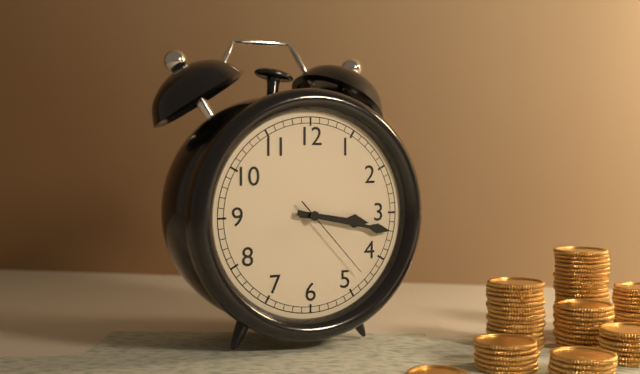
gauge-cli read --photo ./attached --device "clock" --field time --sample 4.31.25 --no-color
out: 3.17.23
